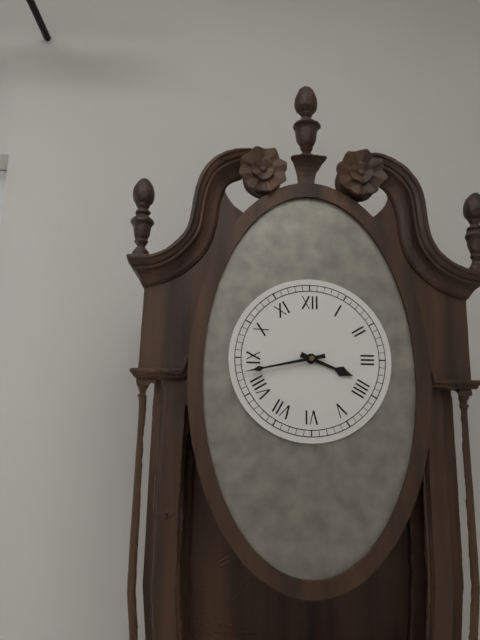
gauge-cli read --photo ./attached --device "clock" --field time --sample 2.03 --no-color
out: 3.43
